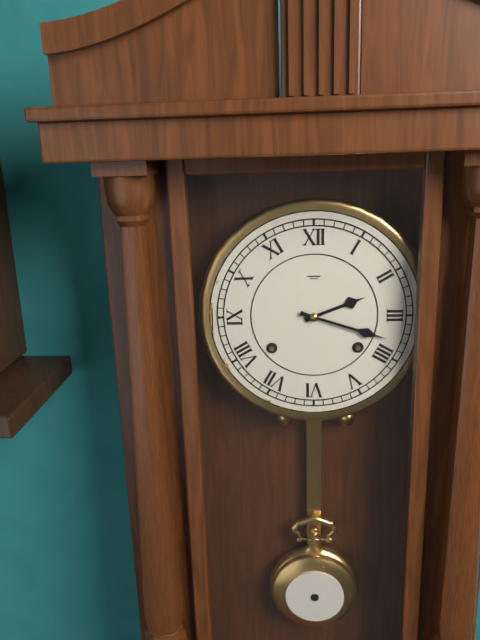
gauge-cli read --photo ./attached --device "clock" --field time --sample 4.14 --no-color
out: 2.18
